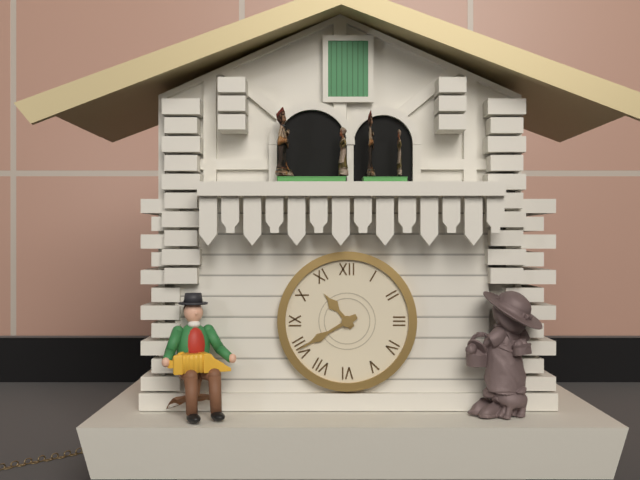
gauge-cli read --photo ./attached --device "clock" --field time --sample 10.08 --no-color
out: 10.40
